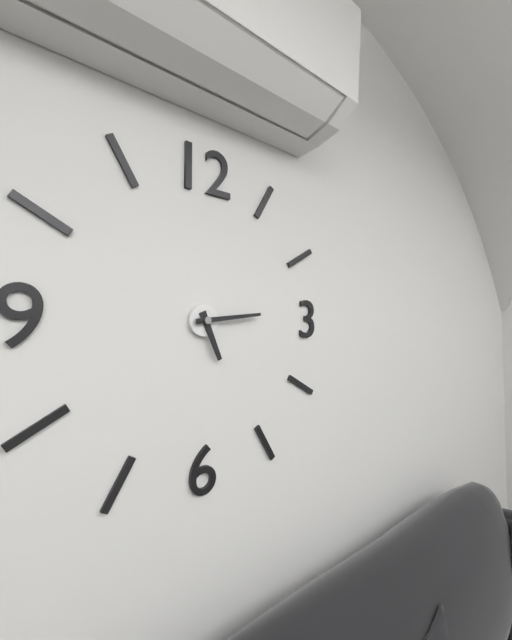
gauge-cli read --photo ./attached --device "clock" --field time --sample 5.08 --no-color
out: 5.14
